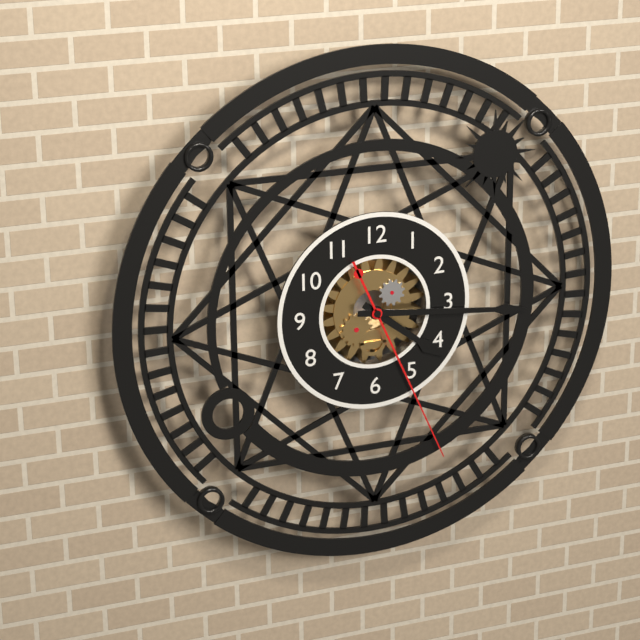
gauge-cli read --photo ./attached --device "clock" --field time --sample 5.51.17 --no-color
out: 4.16.26
